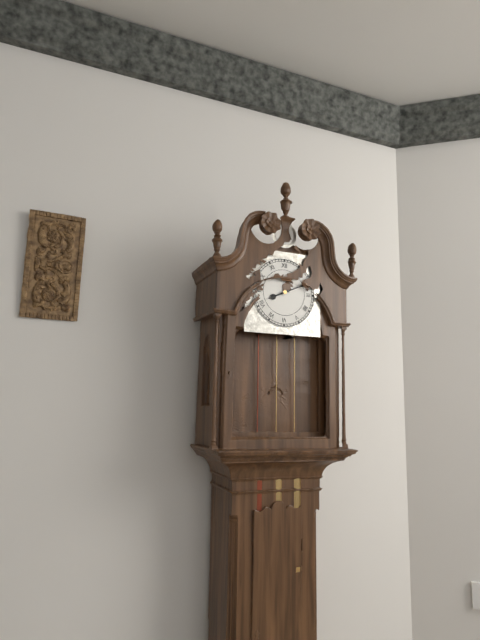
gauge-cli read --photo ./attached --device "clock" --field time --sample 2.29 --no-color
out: 8.11
